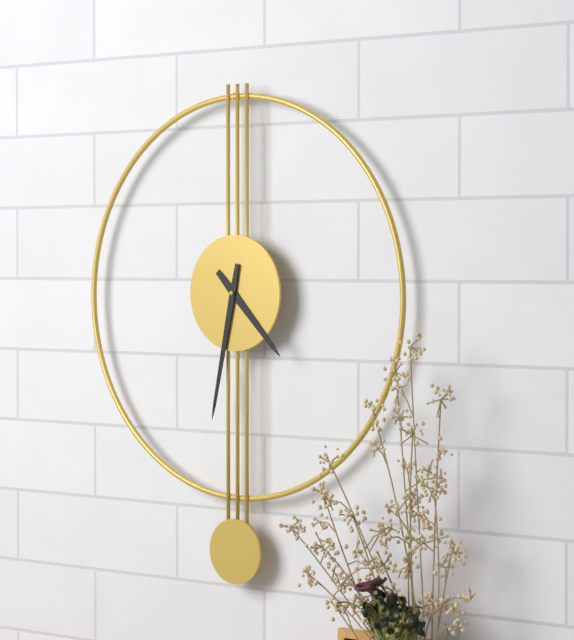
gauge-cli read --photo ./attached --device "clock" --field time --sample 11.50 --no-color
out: 4.32
